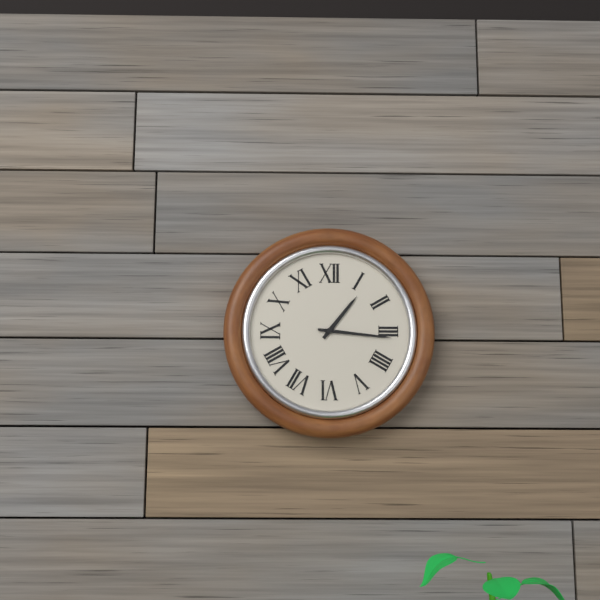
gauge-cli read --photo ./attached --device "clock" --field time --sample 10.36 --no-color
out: 1.16
